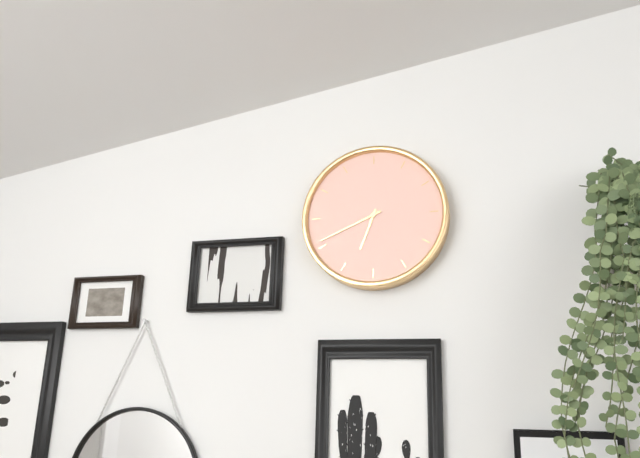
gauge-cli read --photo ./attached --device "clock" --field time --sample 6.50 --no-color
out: 6.41
